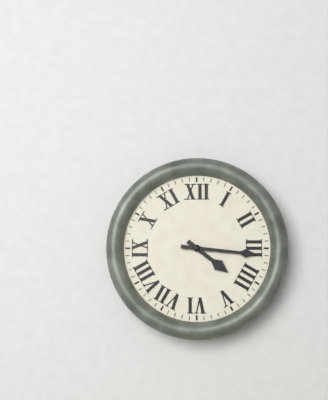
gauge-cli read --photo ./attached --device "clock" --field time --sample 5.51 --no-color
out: 4.16
